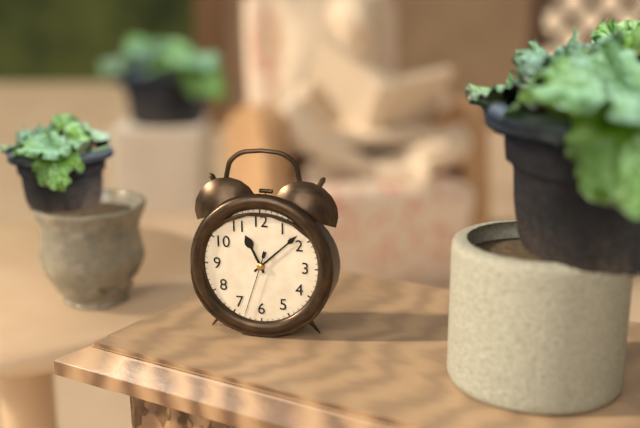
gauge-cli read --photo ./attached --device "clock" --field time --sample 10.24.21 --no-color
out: 11.08.33
